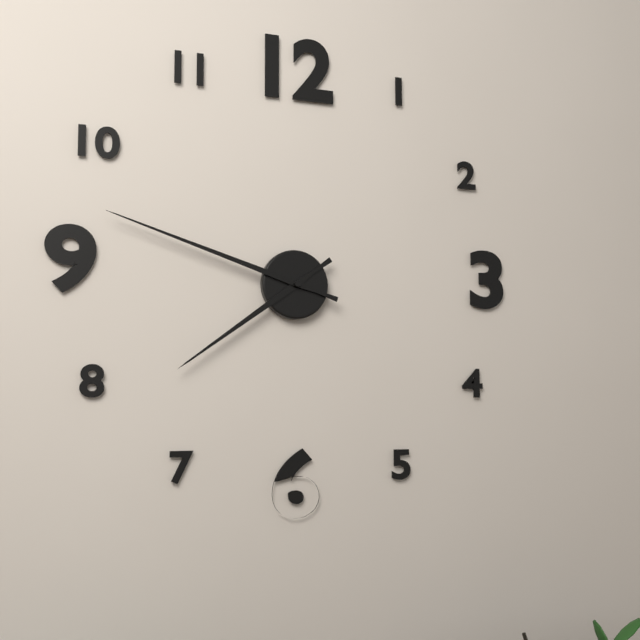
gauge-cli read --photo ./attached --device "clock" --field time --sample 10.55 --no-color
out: 7.48
